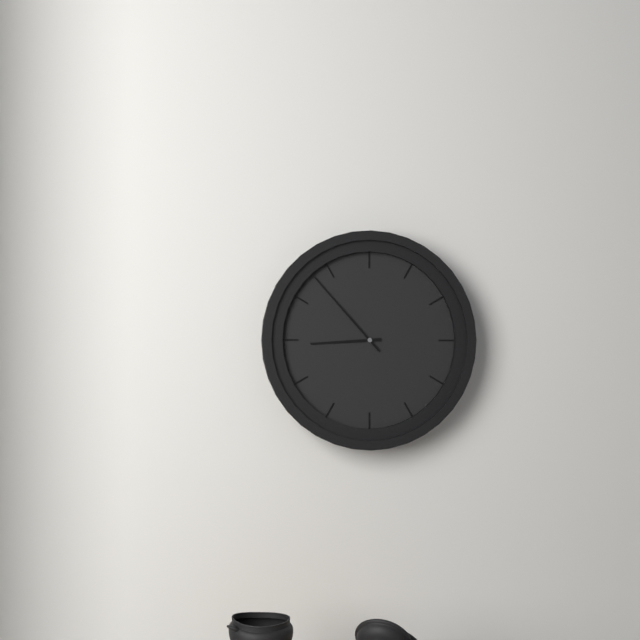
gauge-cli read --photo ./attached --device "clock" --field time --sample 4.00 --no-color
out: 8.53
